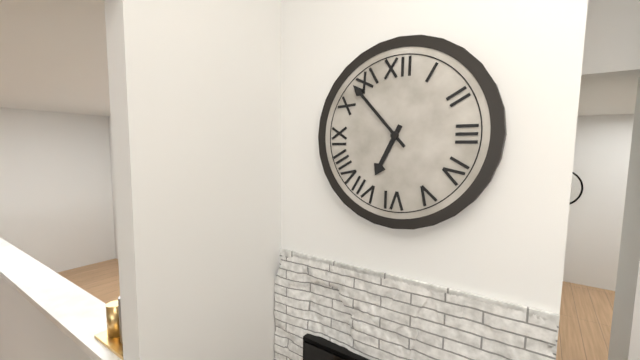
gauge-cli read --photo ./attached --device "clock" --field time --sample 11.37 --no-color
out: 6.53
